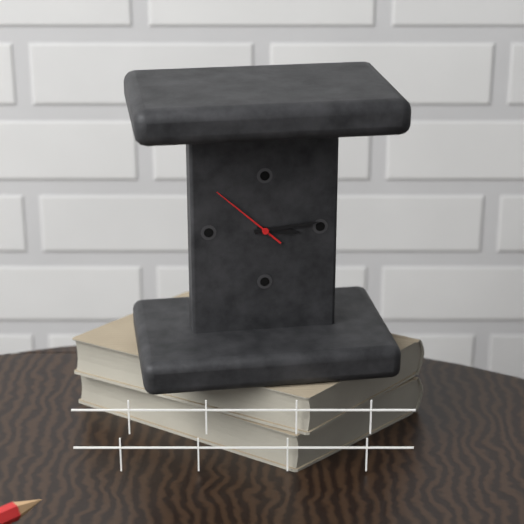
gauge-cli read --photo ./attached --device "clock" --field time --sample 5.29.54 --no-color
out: 3.14.52
